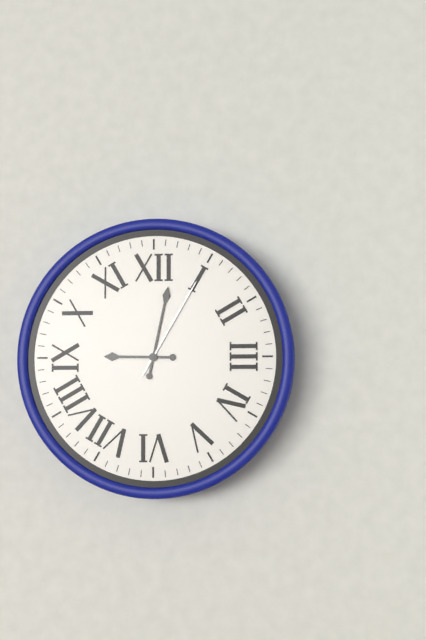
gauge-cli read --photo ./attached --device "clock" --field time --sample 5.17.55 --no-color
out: 9.02.05
